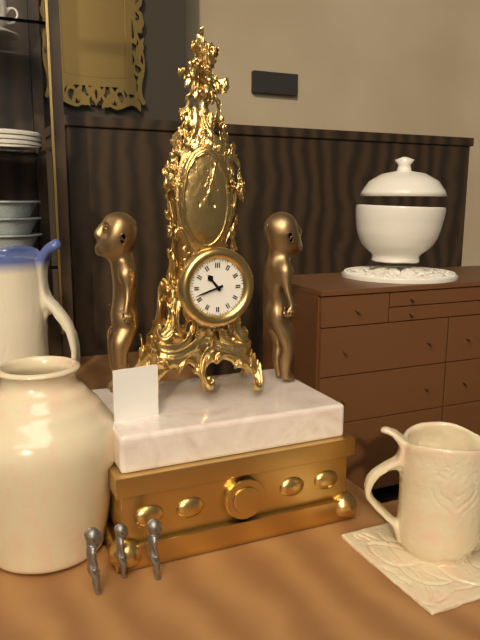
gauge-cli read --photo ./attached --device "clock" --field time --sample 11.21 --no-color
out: 10.42
